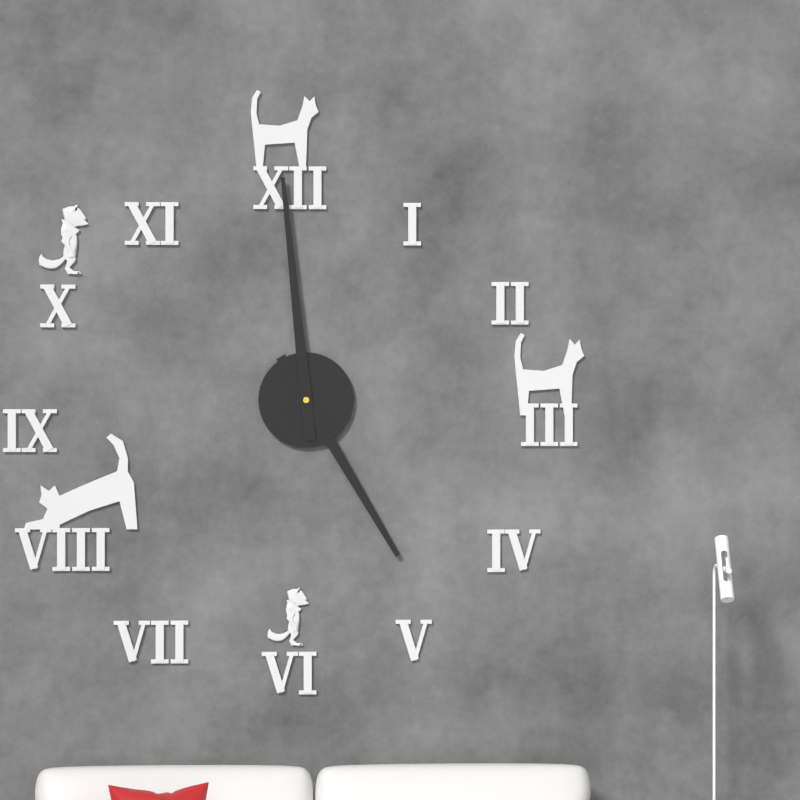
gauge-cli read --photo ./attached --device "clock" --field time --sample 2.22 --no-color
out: 4.59
